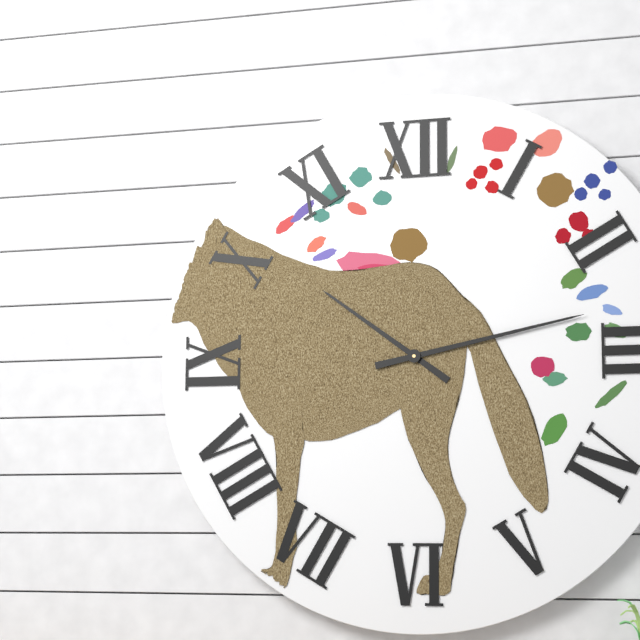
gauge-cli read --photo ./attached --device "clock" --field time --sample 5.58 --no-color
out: 10.13
